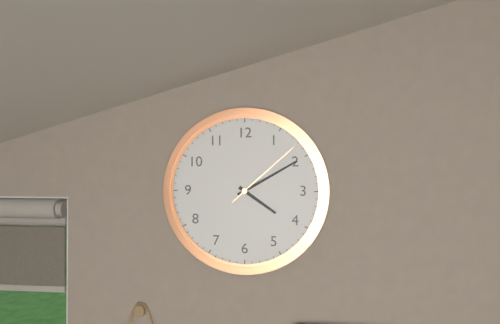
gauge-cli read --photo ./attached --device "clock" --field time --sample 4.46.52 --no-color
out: 4.10.08
